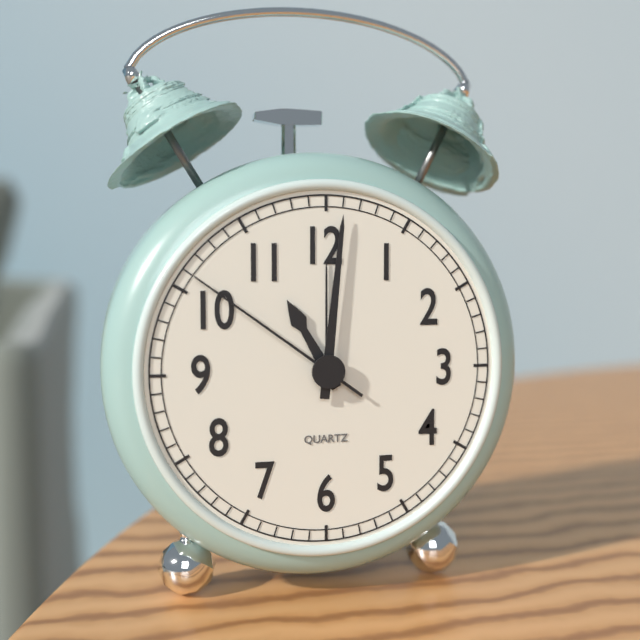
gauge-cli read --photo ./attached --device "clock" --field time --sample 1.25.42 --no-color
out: 11.01.51
